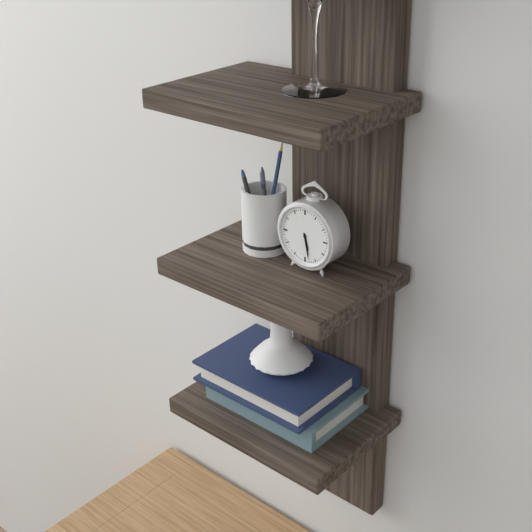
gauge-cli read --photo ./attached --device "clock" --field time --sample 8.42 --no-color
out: 5.28
